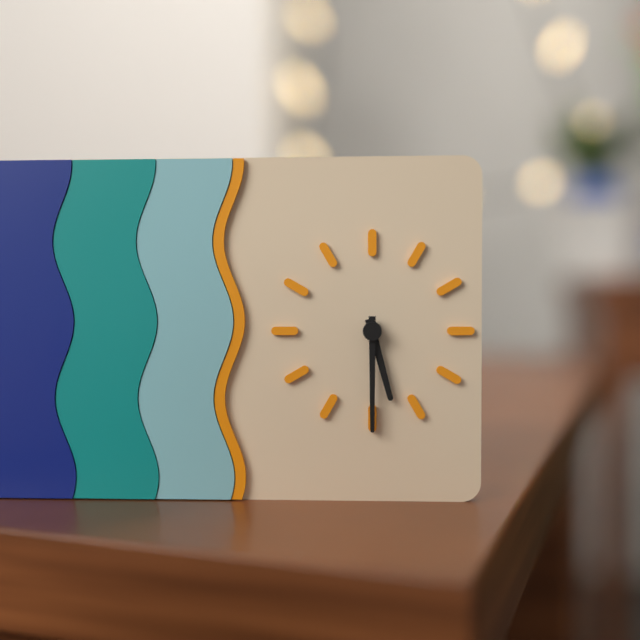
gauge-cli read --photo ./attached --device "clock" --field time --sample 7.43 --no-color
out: 5.30
